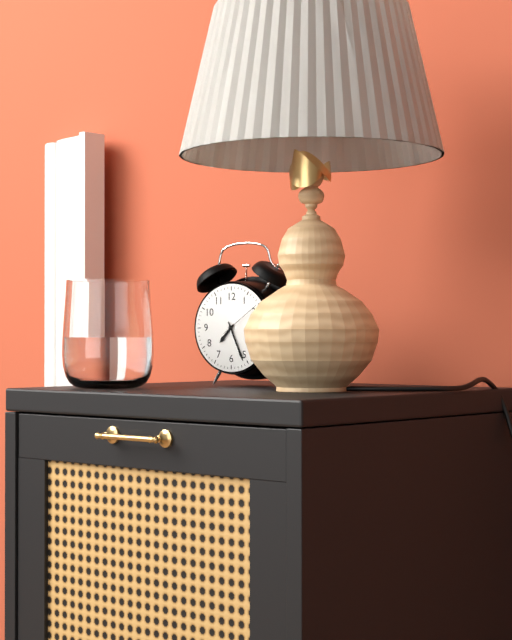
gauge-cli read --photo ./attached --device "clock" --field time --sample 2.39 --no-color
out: 7.26
